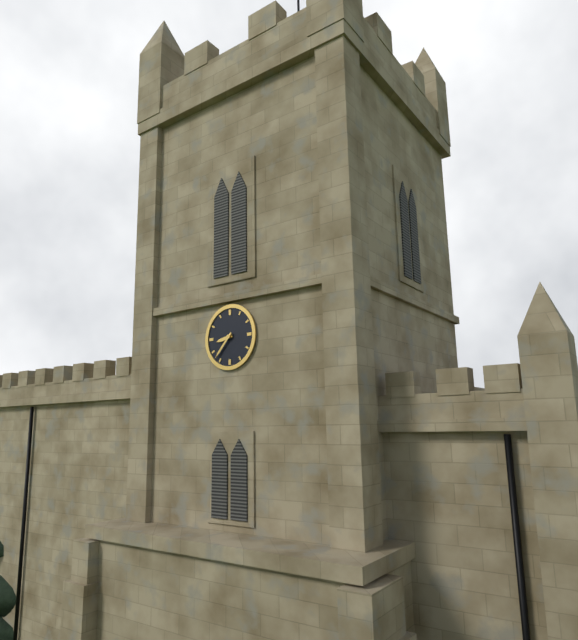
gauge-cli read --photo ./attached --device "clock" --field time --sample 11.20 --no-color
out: 8.37
